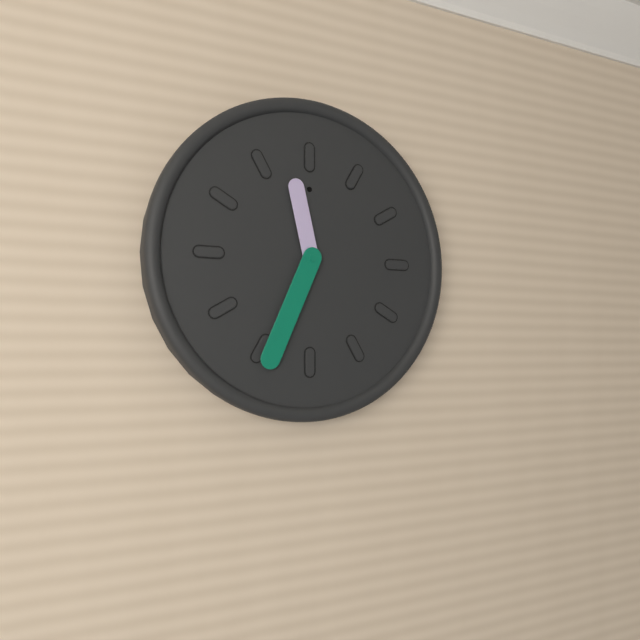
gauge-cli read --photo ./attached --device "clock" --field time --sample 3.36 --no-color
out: 11.34
